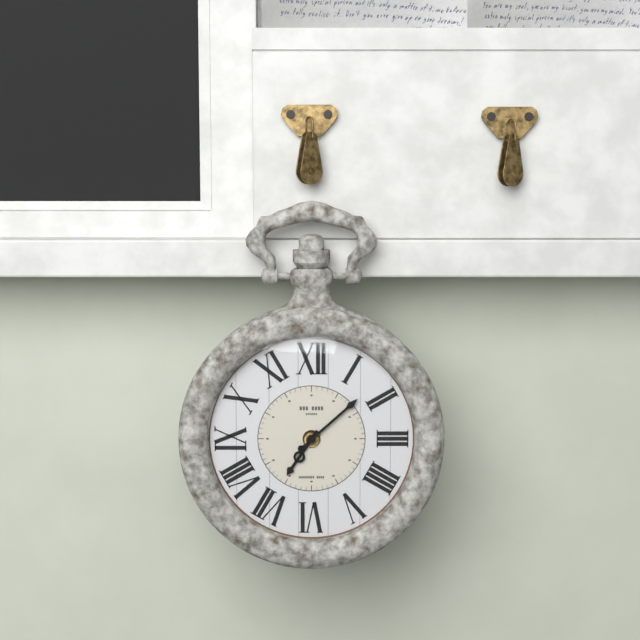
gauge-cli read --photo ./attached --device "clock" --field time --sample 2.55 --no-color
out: 7.08
